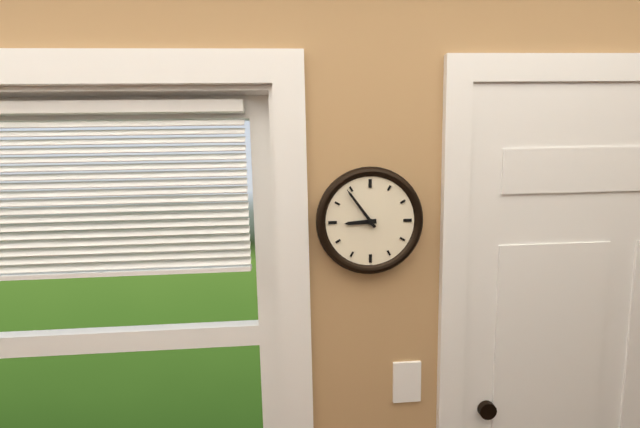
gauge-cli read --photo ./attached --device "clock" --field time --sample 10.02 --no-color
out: 8.54
